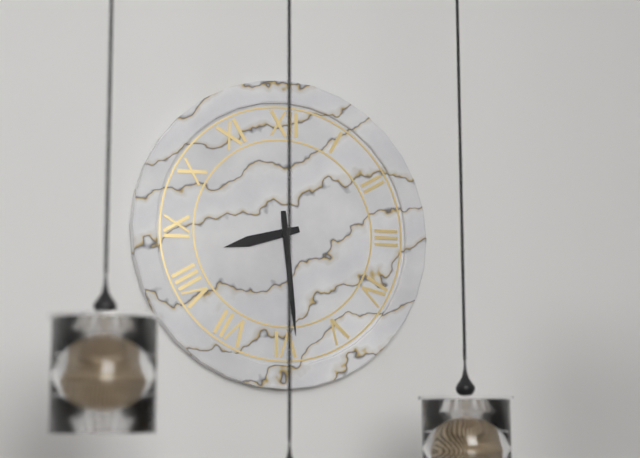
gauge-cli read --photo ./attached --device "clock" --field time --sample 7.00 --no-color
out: 8.29
